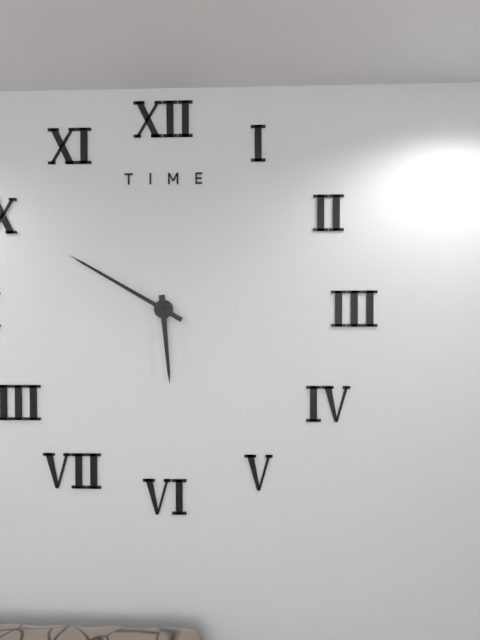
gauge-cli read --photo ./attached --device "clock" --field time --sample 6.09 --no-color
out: 5.50
